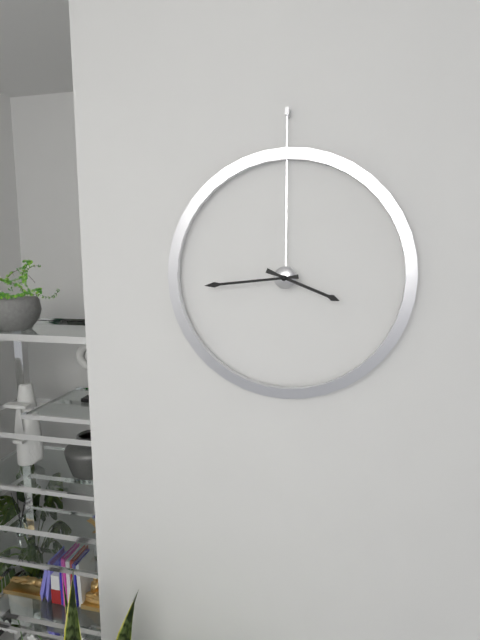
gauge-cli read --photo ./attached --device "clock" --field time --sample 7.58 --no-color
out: 3.44
